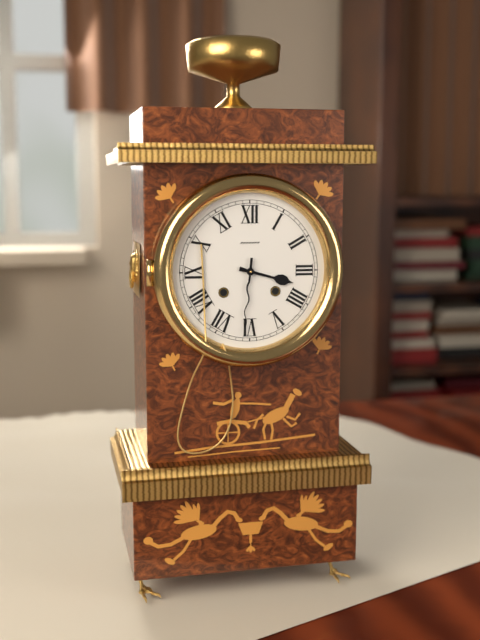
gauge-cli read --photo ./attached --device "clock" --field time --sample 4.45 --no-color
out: 3.31
